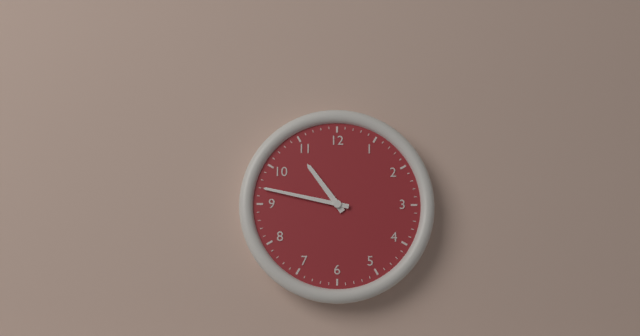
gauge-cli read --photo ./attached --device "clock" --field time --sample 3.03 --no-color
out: 10.47
